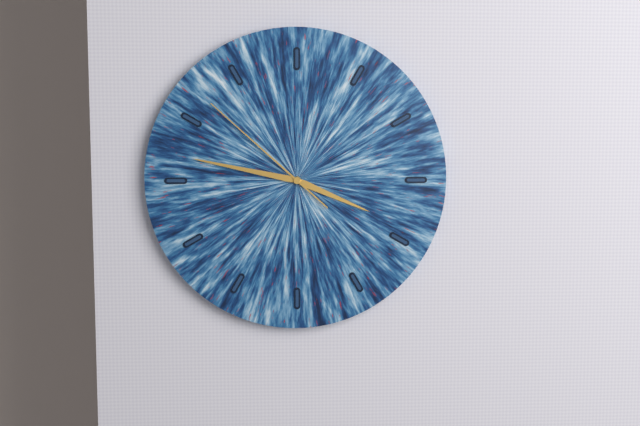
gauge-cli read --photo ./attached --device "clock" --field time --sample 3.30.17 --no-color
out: 3.47.52
